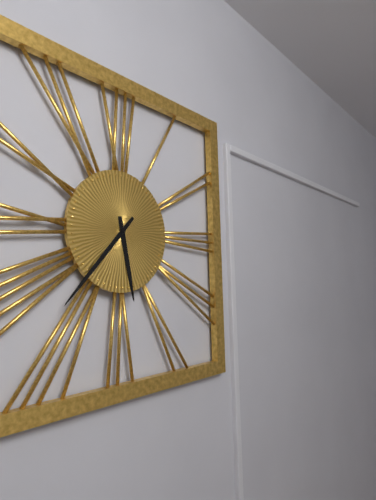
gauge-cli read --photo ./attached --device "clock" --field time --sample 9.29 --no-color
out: 5.37
